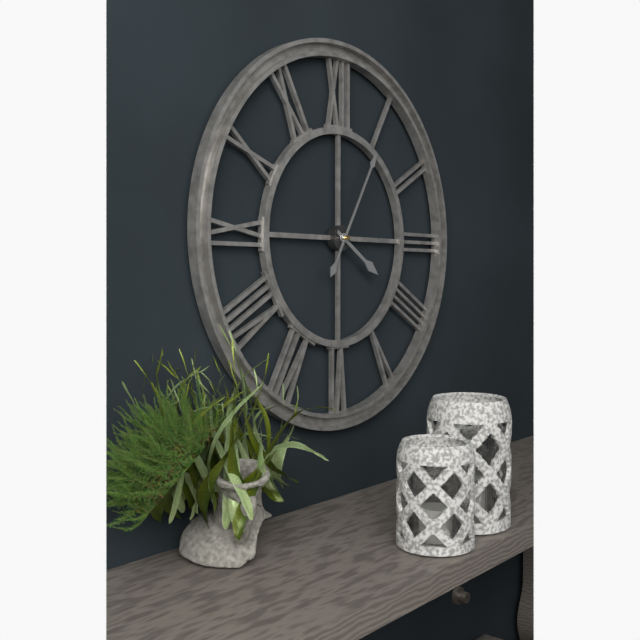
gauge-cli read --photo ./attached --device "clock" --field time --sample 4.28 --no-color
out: 4.05
